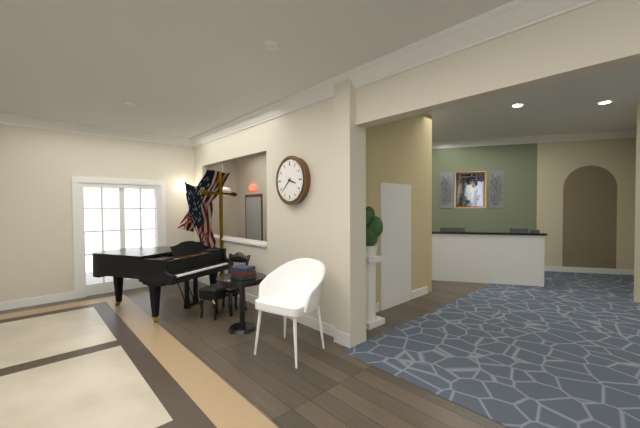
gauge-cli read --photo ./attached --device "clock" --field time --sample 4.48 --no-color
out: 3.38
